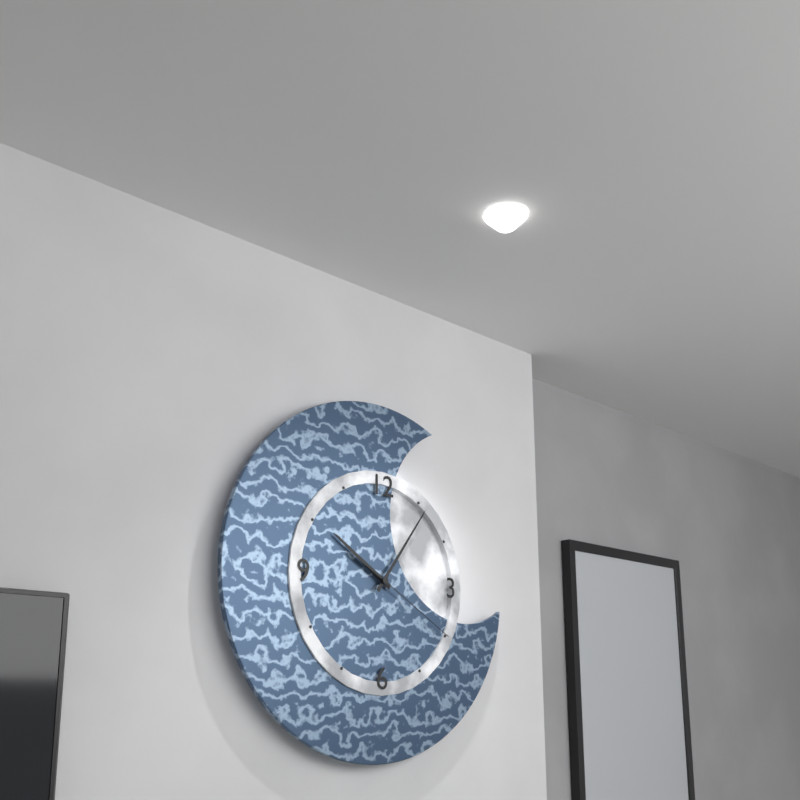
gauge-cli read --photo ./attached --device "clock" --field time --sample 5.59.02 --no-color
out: 10.06.20
